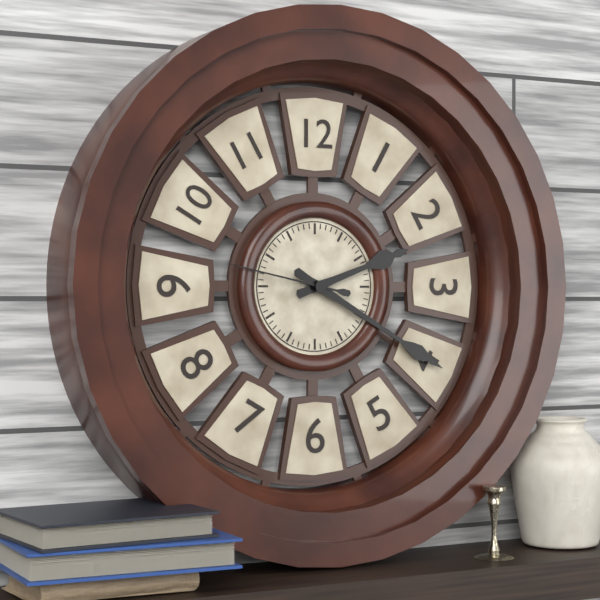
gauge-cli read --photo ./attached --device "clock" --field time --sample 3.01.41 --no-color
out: 2.20.47
